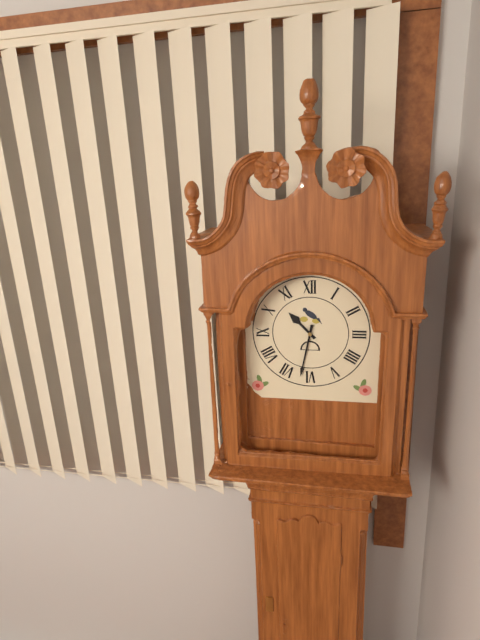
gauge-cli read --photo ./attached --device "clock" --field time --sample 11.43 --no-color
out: 10.32
